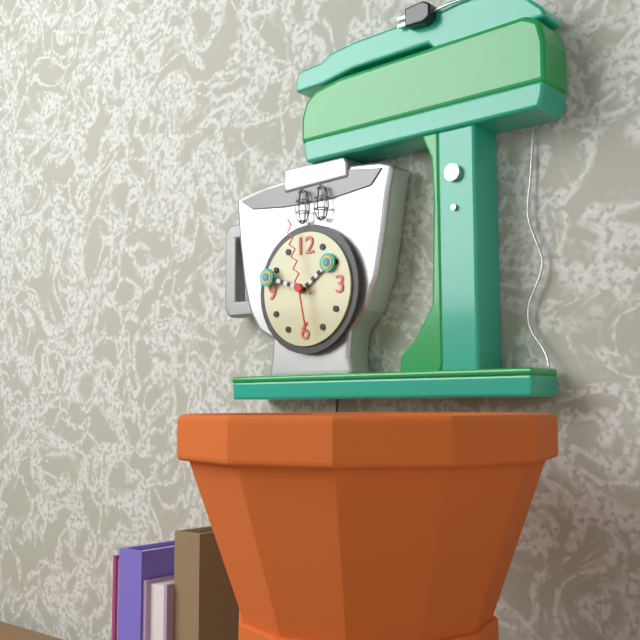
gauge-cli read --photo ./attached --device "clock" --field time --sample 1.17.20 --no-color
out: 1.48.58
